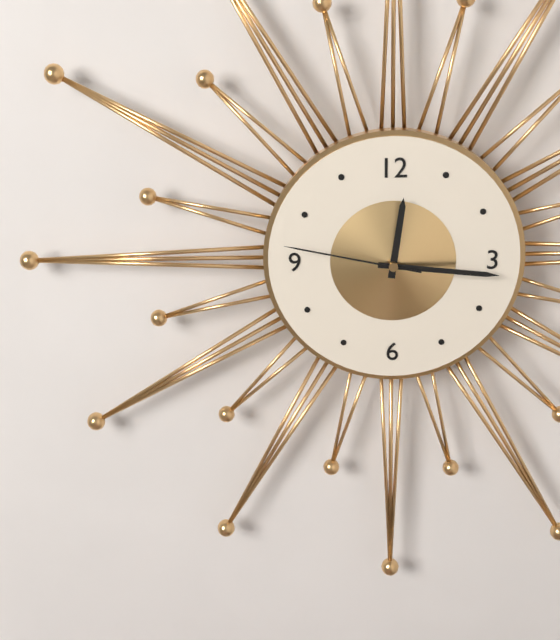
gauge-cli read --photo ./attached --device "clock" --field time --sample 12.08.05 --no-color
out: 12.16.47
